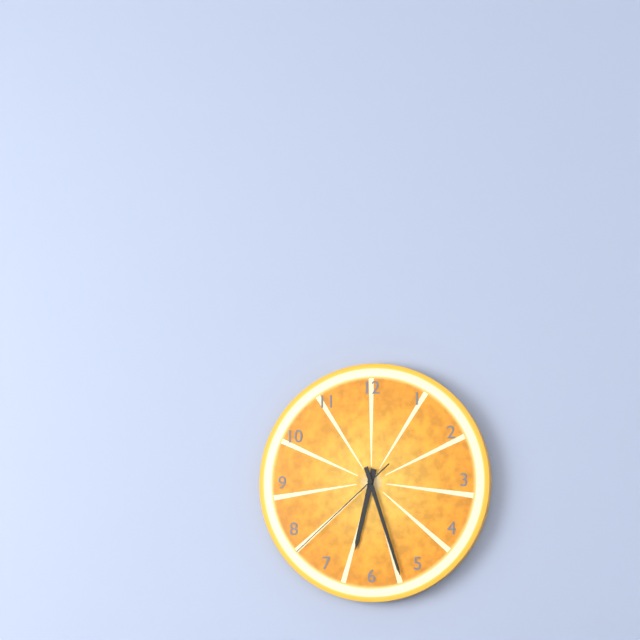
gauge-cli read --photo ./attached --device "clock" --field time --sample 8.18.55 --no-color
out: 6.27.38
